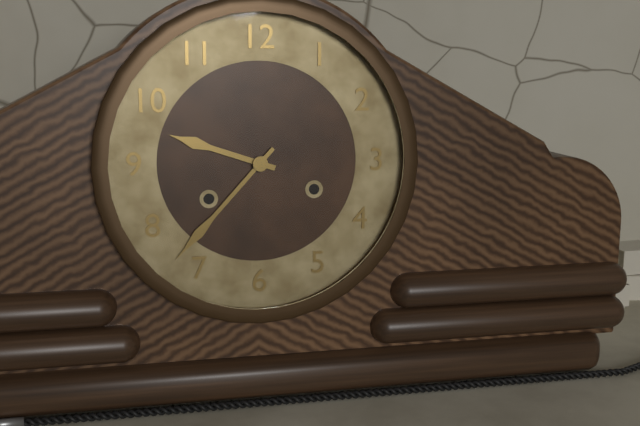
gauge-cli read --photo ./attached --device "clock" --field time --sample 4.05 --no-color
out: 9.37
